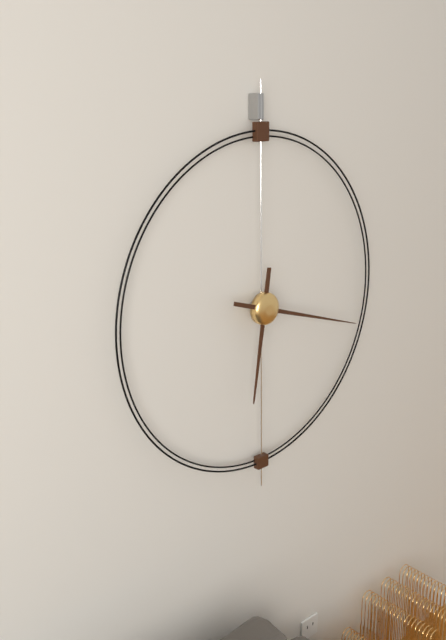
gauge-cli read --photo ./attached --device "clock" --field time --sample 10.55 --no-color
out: 6.18
